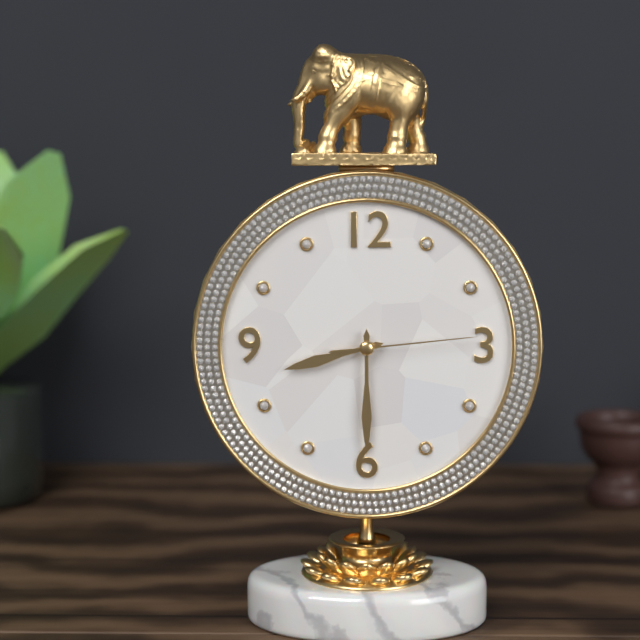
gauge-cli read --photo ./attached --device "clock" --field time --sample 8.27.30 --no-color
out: 8.30.14
